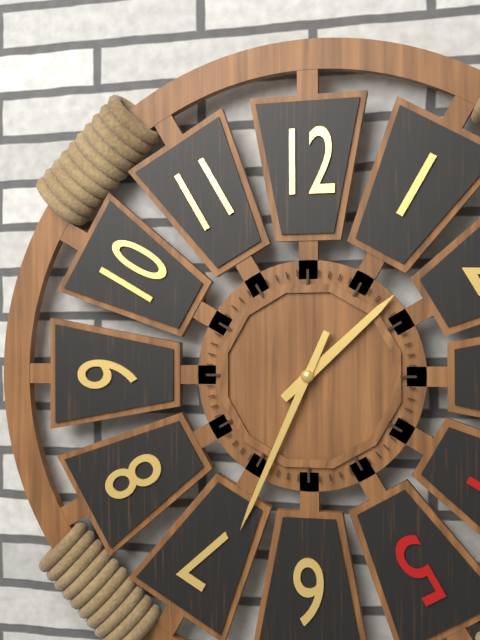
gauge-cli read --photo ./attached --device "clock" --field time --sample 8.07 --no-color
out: 1.34
